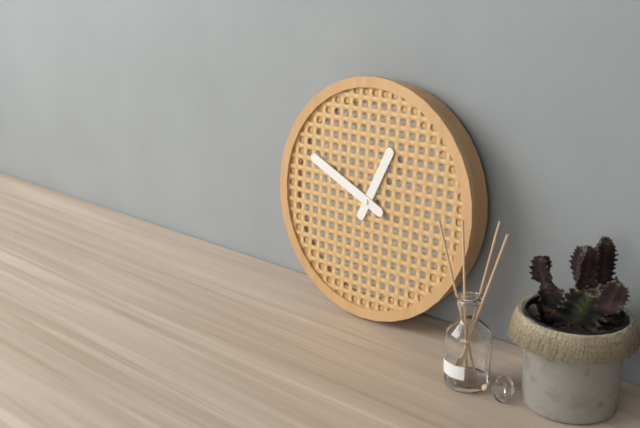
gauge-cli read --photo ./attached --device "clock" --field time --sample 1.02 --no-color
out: 12.49
